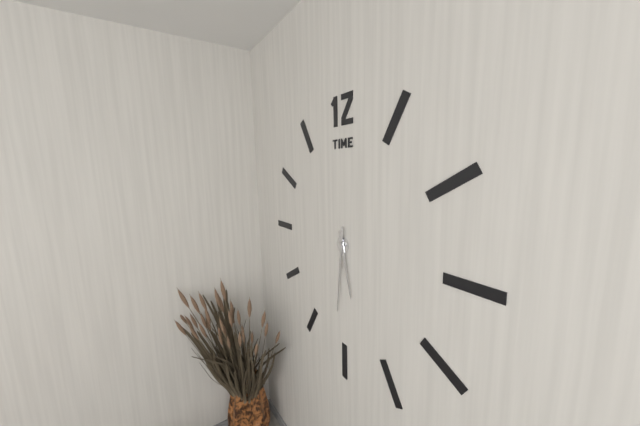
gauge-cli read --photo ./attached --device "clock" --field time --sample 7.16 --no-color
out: 5.31
